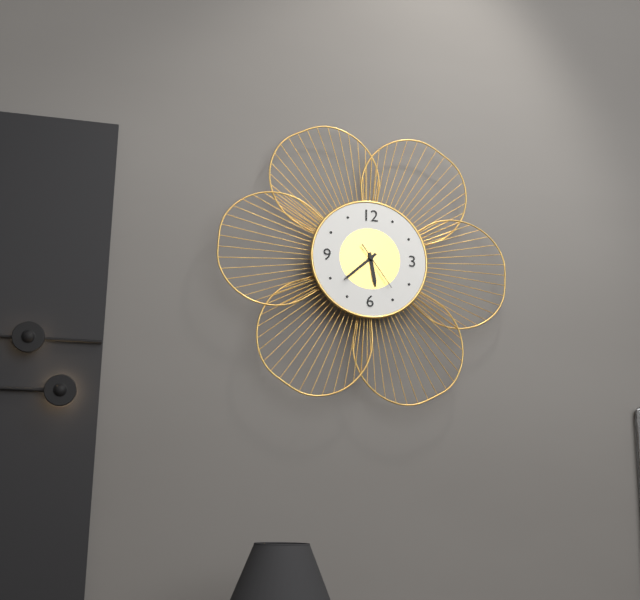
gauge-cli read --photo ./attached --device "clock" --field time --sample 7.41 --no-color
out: 5.38
